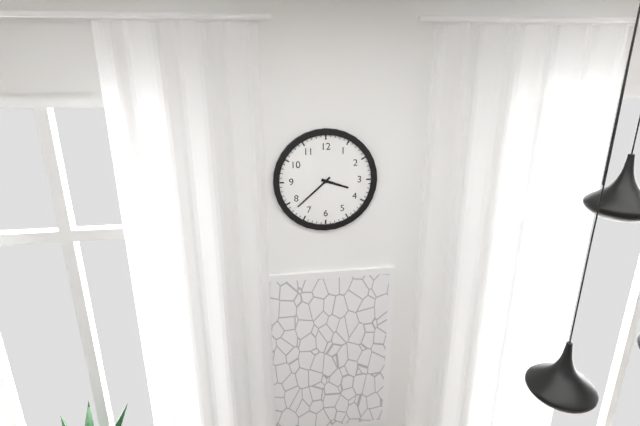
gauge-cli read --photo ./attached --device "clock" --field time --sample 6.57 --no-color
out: 3.38
